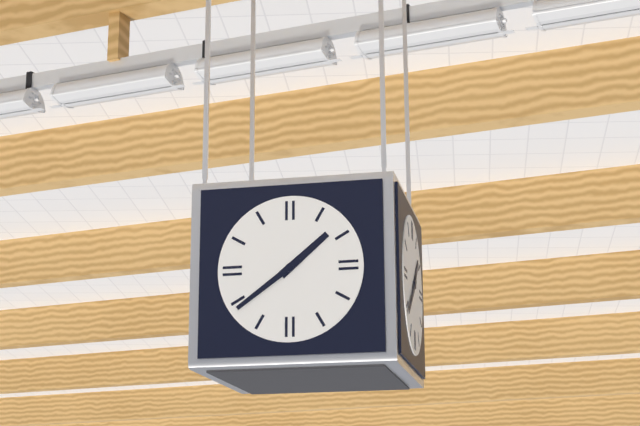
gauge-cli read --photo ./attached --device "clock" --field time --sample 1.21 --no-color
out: 1.39
